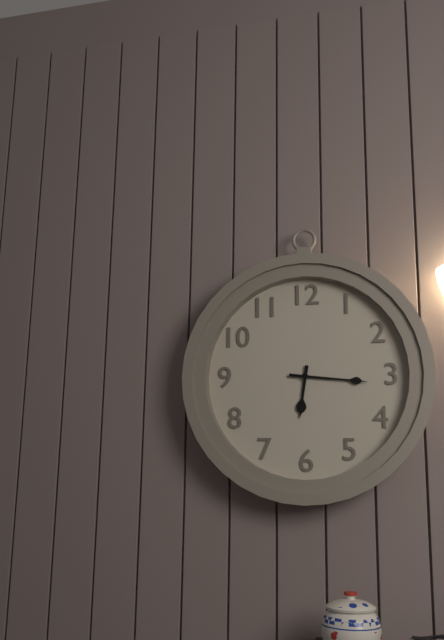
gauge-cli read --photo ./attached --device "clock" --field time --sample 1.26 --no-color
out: 6.16
